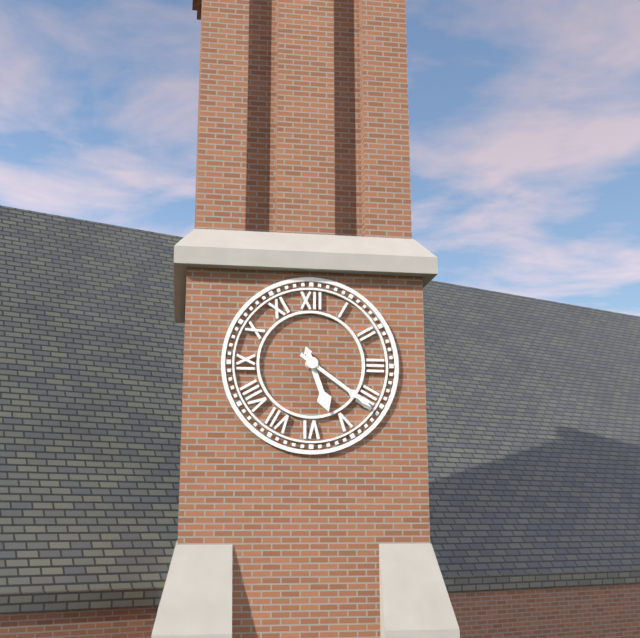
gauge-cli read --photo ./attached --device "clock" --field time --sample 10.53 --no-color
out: 5.21
